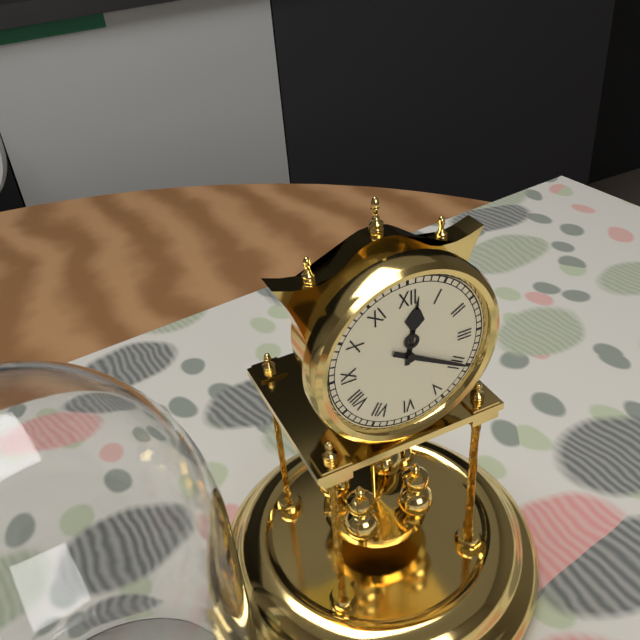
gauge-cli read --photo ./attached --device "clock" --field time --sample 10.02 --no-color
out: 12.20
